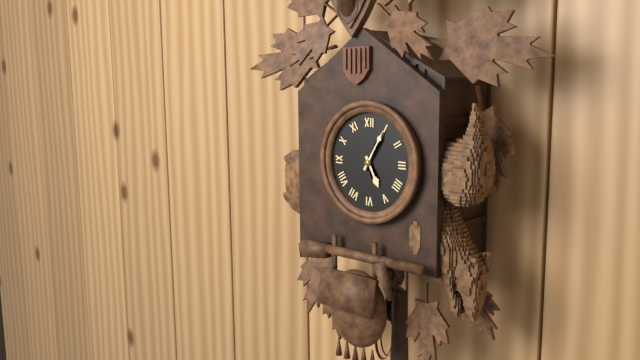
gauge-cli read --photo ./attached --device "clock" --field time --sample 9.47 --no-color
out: 5.05
